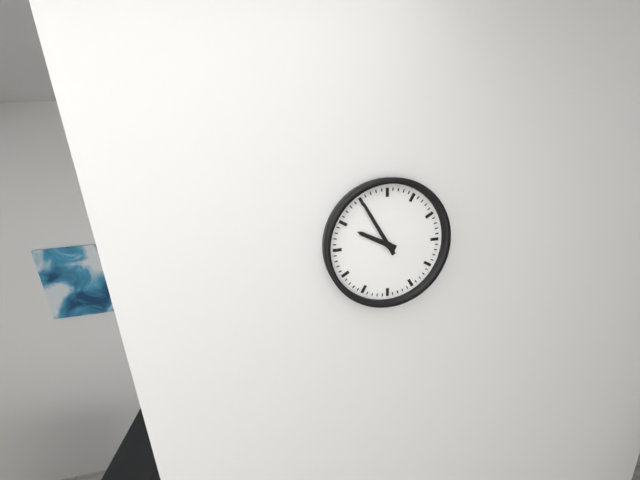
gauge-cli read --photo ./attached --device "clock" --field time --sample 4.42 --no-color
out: 9.55
